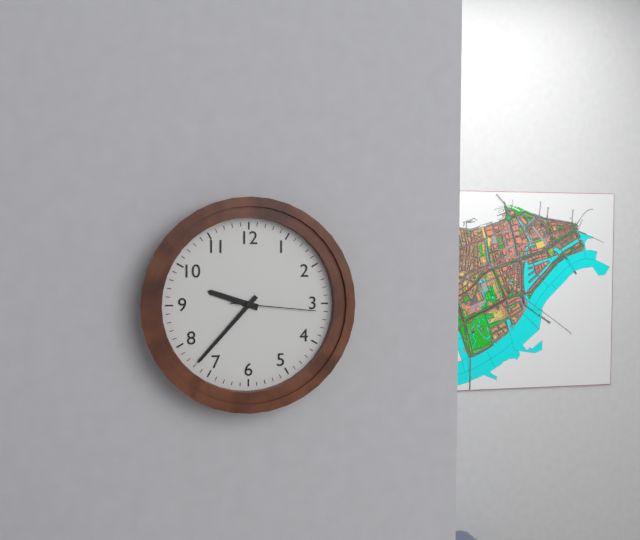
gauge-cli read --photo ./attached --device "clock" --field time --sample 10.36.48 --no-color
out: 9.37.16
